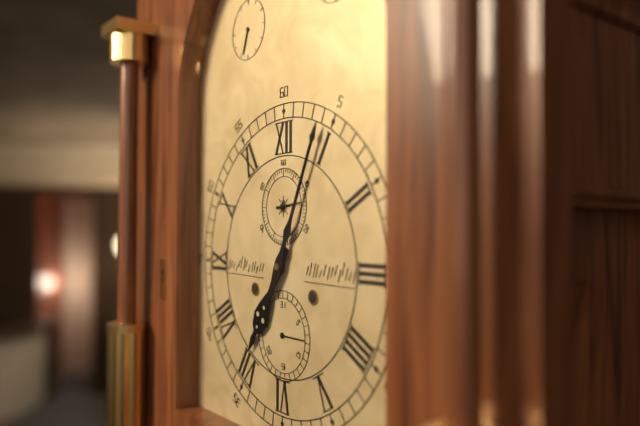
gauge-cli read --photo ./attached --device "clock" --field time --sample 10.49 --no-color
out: 7.04
